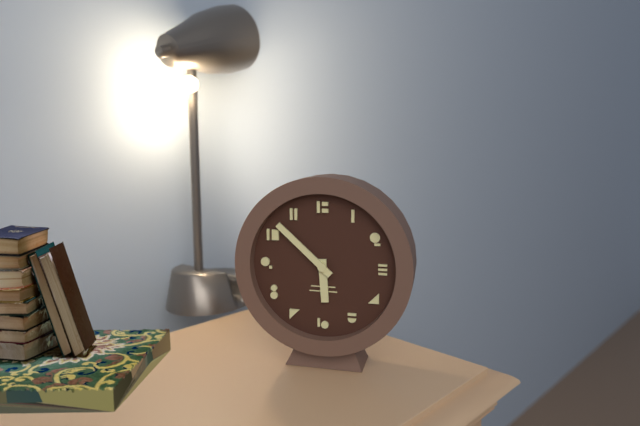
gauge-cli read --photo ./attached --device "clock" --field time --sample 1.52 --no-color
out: 5.52
